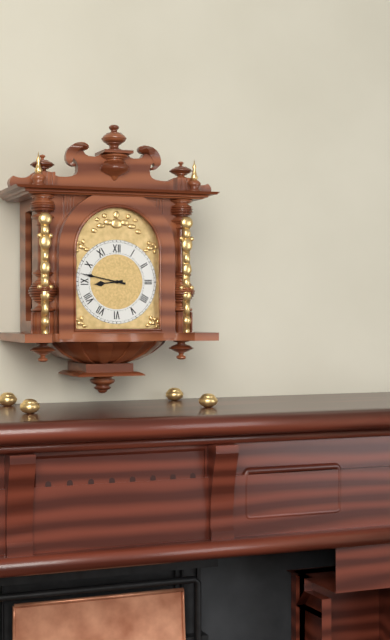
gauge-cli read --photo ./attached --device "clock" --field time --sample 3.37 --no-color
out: 8.47
